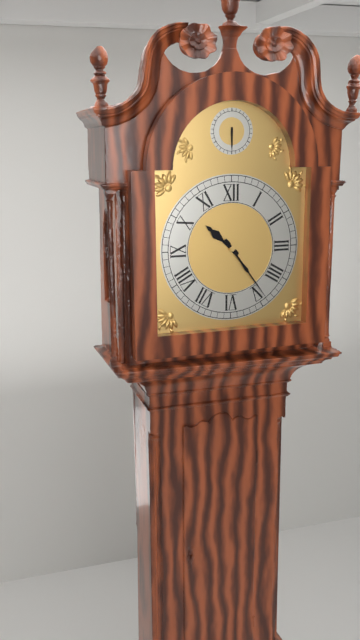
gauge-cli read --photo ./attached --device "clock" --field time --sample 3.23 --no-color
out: 10.24
